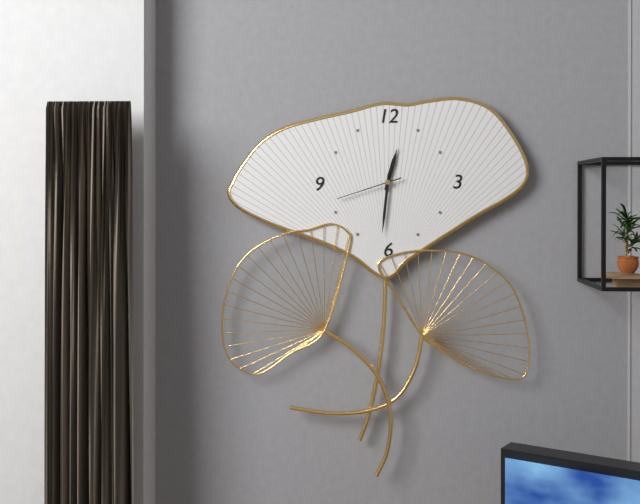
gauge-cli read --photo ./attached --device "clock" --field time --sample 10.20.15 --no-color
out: 12.31.42
